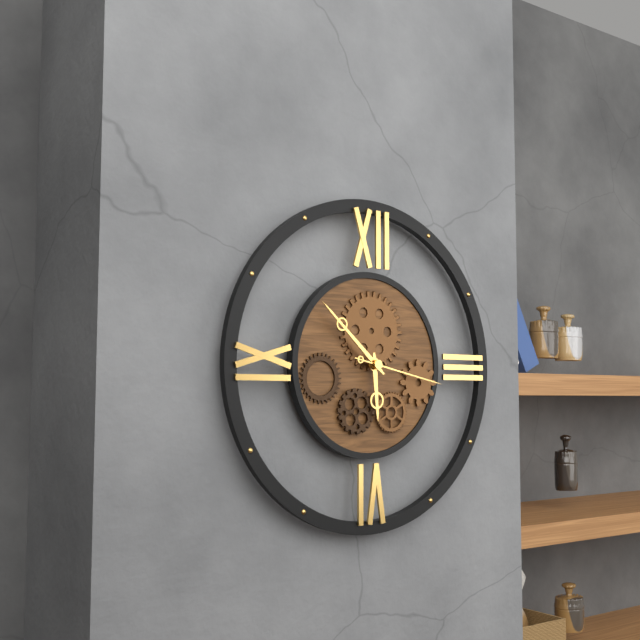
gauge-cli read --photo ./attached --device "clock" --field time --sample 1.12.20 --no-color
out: 5.52.17
